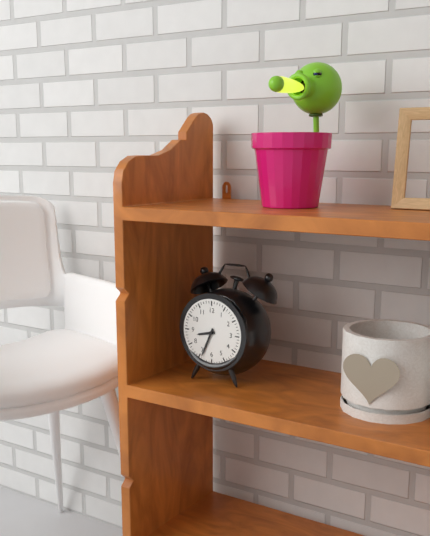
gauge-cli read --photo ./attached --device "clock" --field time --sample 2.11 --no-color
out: 8.34
